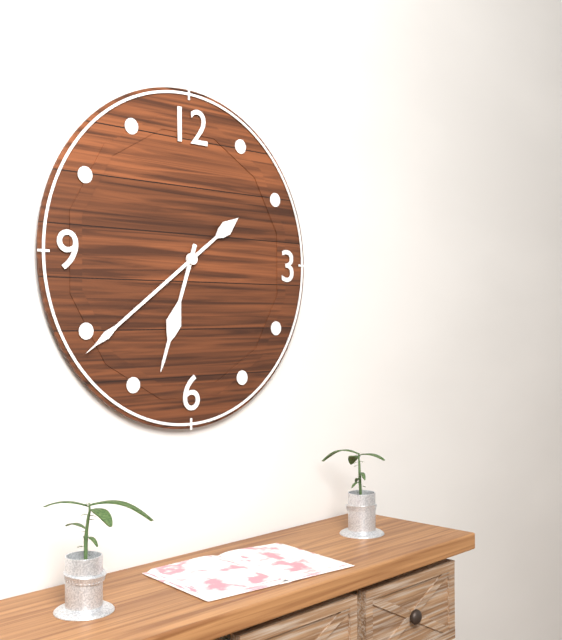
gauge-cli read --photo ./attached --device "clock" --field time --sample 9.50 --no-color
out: 6.39
